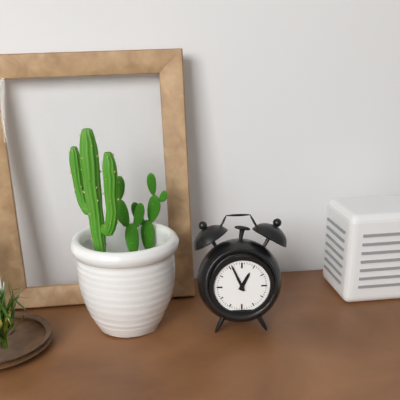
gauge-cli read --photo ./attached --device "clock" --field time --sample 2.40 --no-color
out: 12.56
